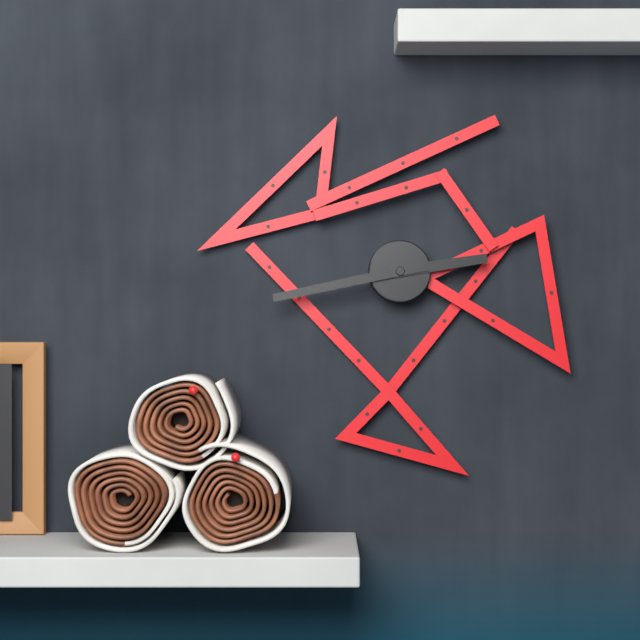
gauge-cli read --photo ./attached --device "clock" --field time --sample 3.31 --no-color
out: 2.43
